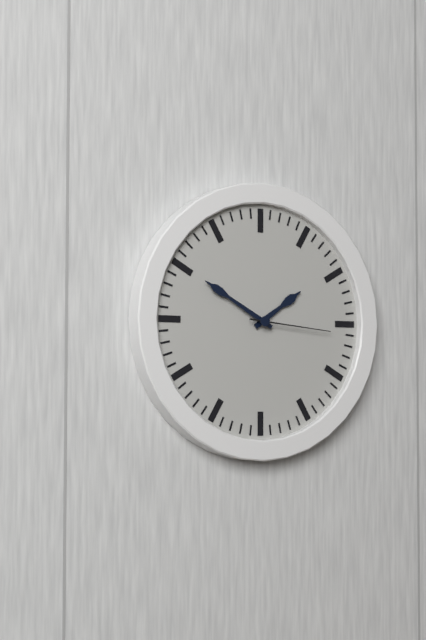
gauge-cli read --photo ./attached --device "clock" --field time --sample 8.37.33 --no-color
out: 1.50.16
